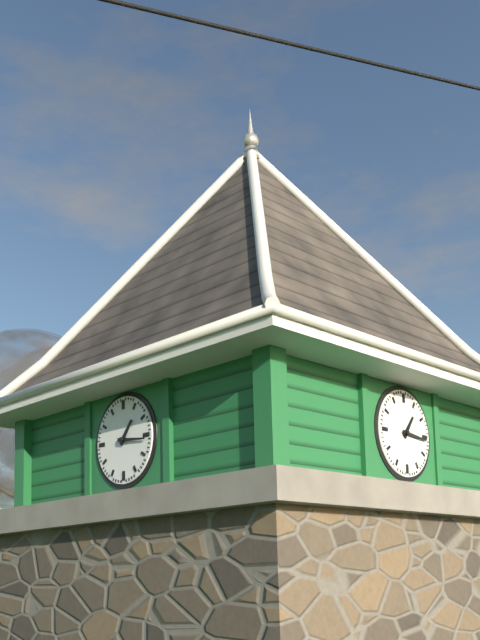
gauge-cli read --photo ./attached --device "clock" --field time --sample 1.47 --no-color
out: 1.16
